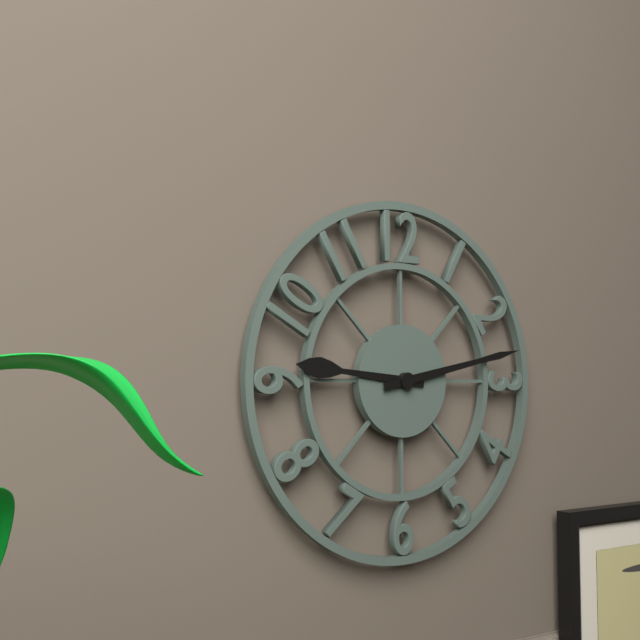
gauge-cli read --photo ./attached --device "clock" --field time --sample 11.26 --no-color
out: 9.13
